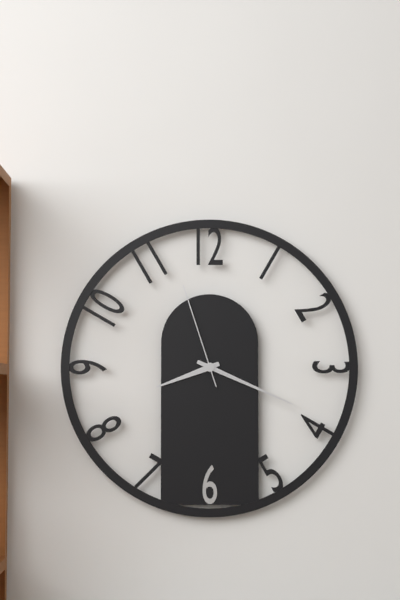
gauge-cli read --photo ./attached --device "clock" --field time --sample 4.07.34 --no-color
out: 8.19.57
